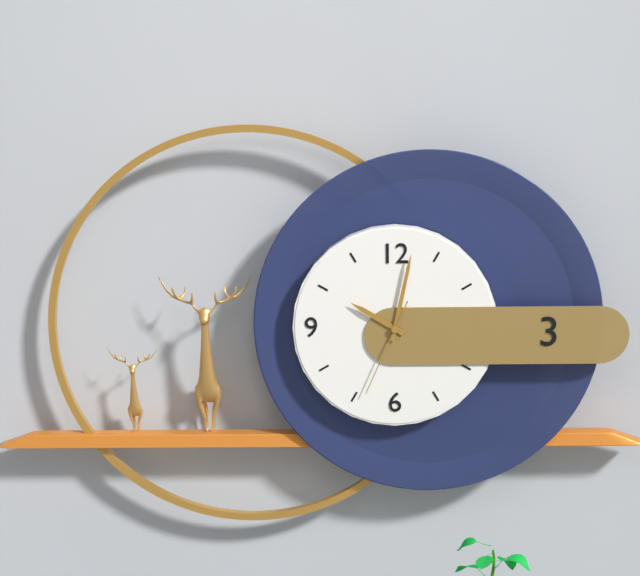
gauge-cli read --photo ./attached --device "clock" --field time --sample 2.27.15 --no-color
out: 10.02.34
